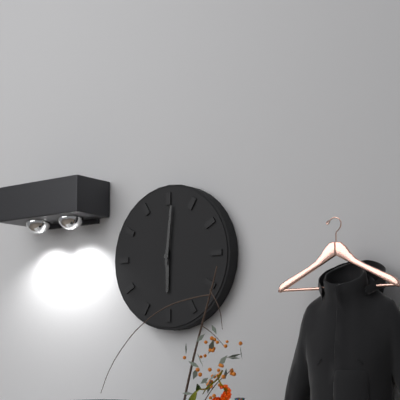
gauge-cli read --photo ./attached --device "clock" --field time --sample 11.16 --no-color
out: 6.01
